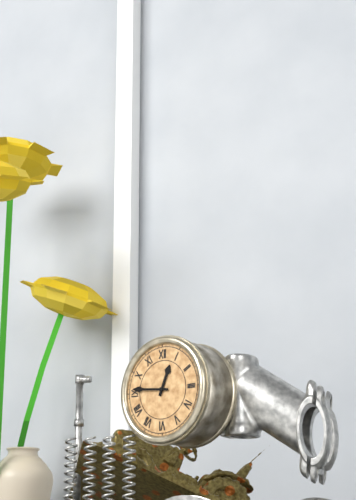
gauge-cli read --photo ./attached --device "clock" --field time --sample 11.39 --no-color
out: 12.46
